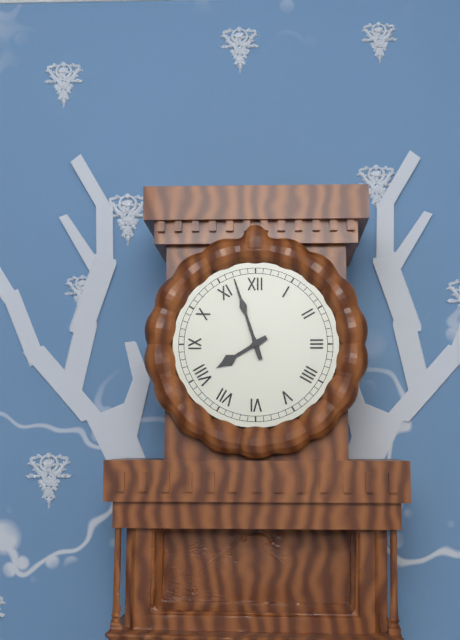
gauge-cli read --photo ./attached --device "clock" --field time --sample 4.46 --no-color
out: 7.57
